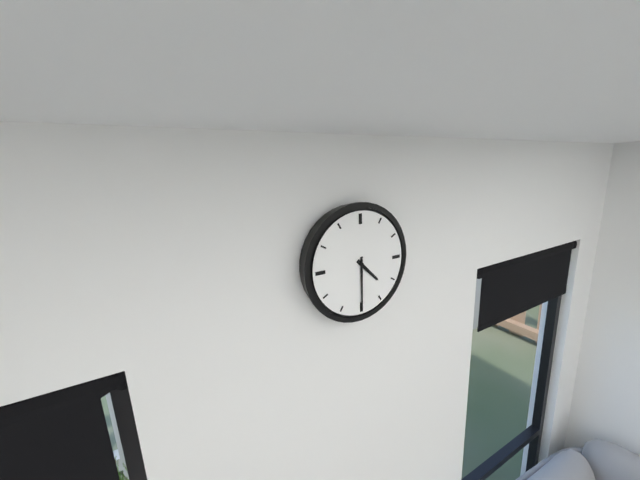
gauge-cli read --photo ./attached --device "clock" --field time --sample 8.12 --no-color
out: 4.30
